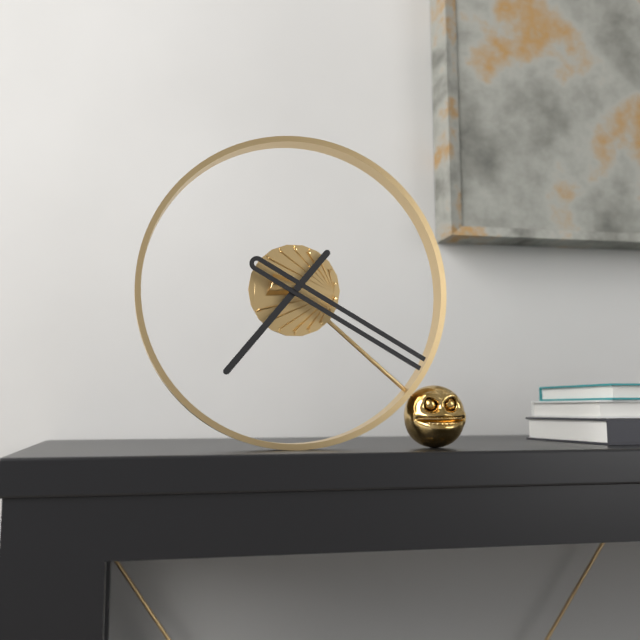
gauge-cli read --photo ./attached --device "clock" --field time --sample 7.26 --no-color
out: 7.20
